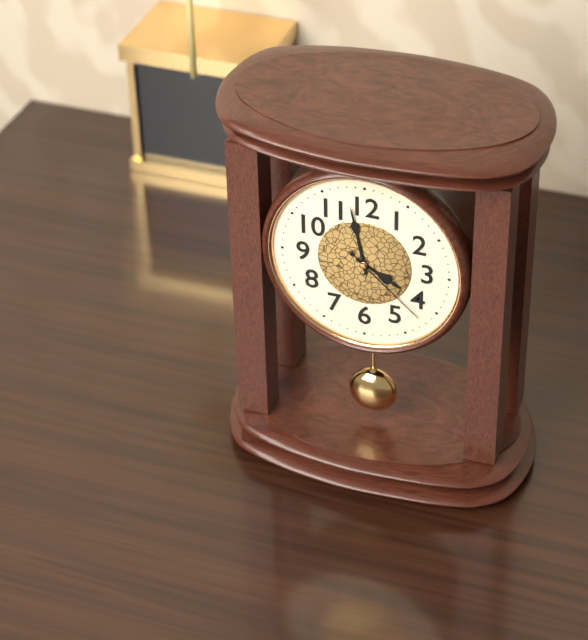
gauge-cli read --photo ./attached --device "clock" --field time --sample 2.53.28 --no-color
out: 3.58.22
